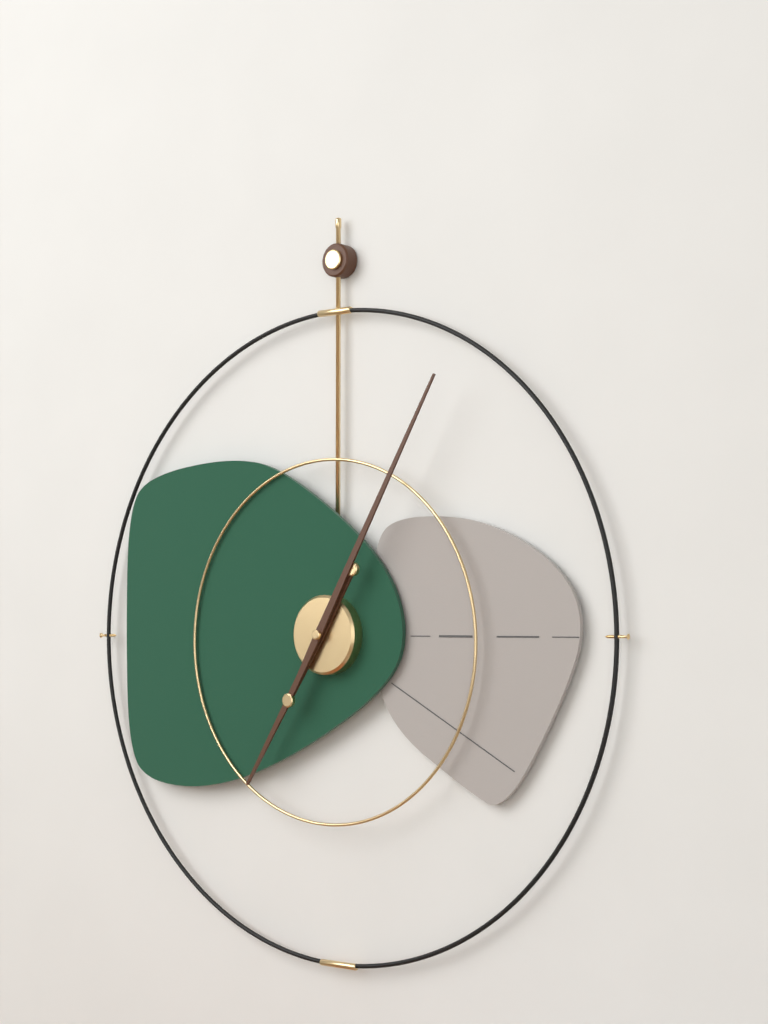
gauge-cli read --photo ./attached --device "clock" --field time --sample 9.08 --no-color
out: 7.05
